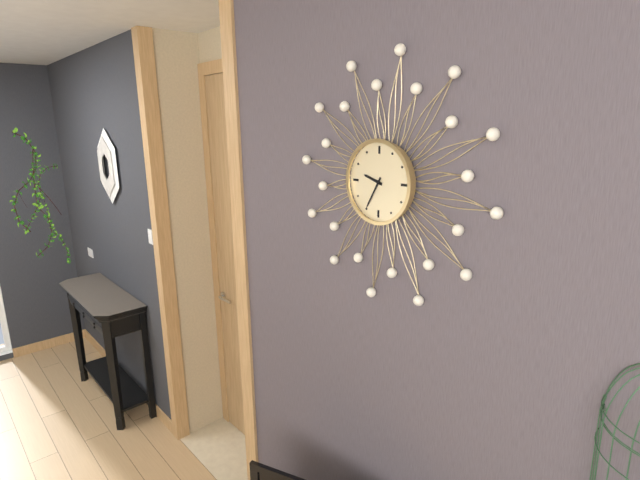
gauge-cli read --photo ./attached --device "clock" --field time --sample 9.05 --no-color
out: 9.35
